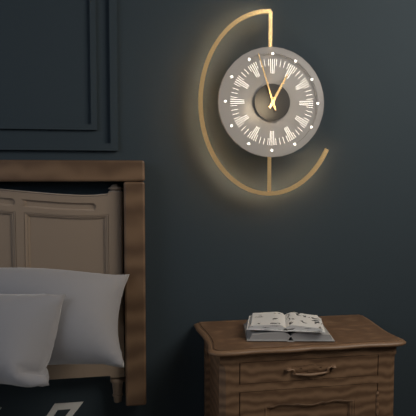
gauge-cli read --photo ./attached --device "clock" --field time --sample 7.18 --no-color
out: 12.57
